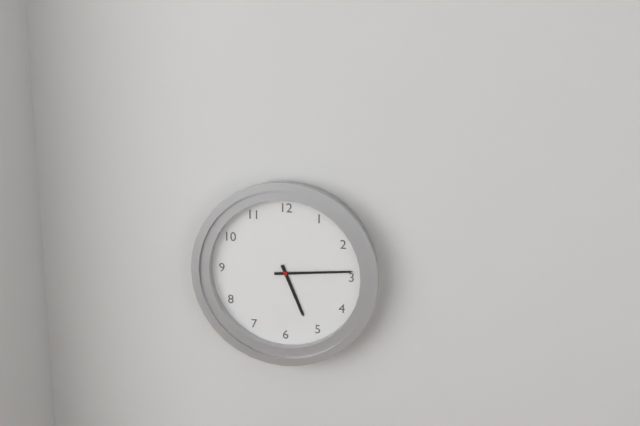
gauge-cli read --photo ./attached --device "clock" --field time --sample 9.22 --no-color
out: 5.14
